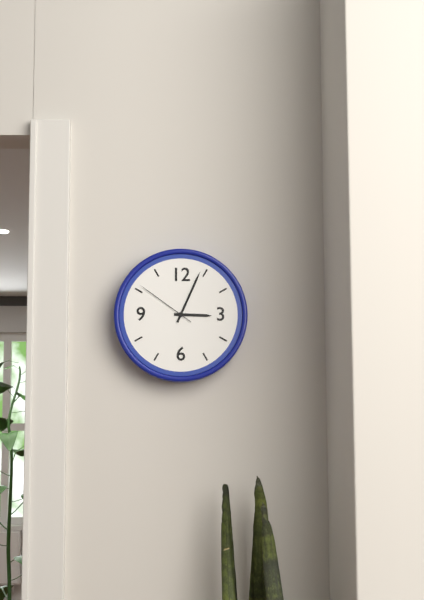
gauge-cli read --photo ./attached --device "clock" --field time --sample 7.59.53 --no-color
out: 3.04.51
